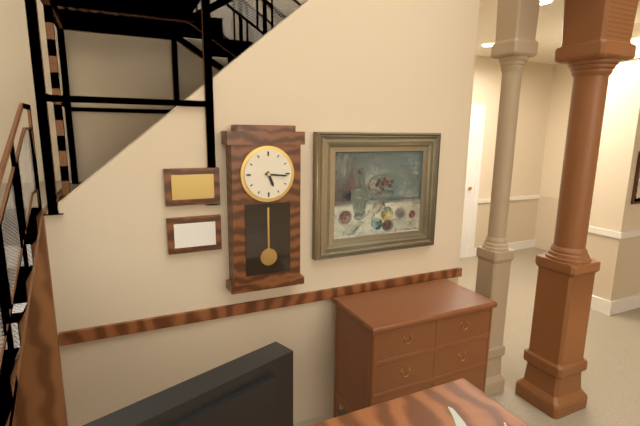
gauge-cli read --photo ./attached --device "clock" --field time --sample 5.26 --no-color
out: 5.16
